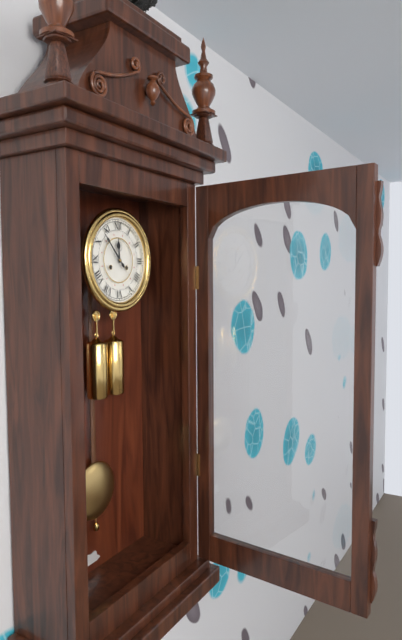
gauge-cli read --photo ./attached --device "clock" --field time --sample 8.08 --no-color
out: 11.53
